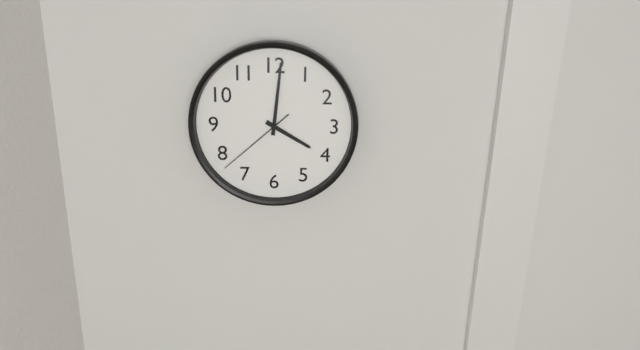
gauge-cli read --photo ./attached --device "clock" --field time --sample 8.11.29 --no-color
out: 4.01.38
